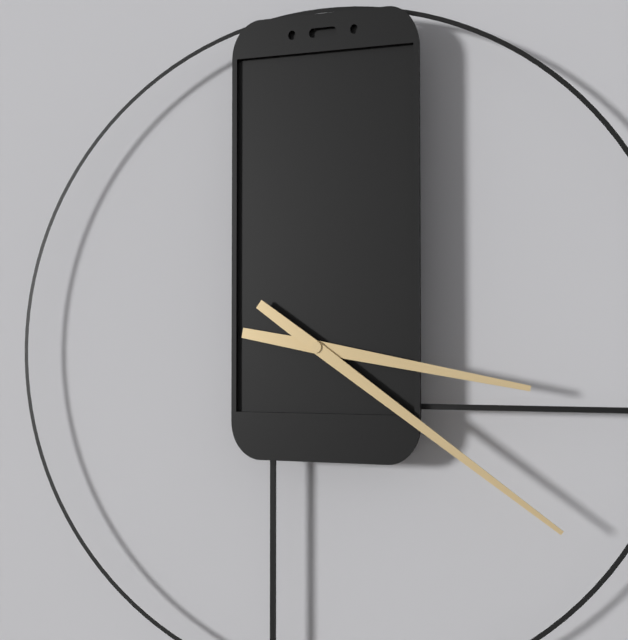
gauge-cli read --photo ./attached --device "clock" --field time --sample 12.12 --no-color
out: 3.21
